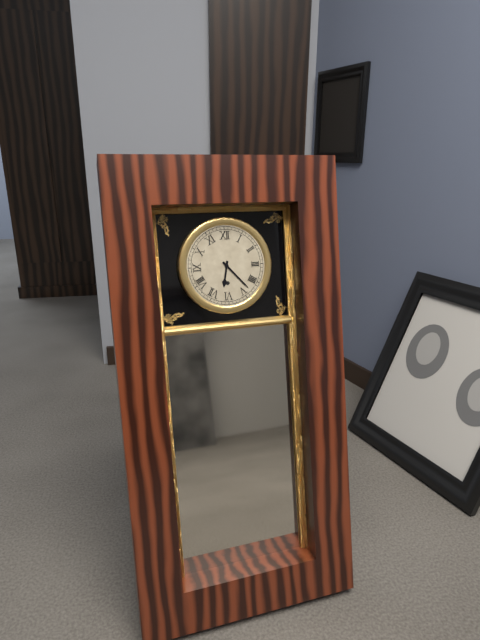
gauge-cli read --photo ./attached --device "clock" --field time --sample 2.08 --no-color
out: 6.23
